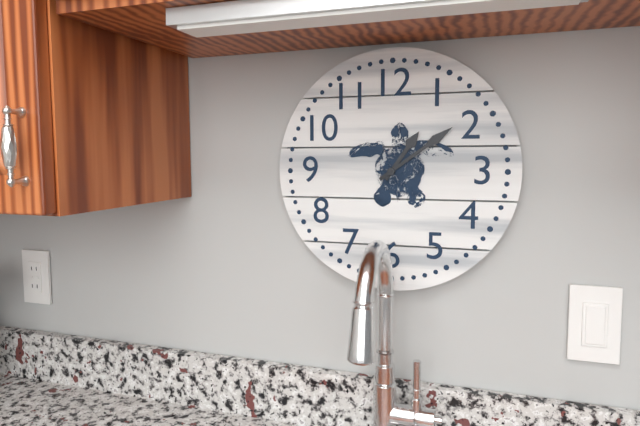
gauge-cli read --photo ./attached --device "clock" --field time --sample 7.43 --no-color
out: 1.09
